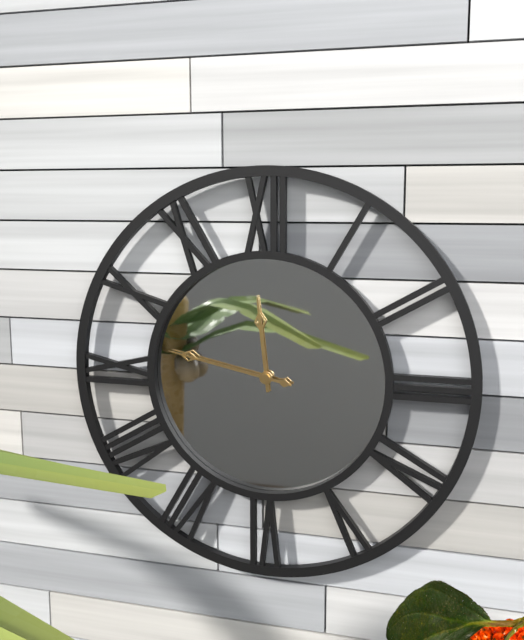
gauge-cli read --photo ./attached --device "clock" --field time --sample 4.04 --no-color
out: 11.47
